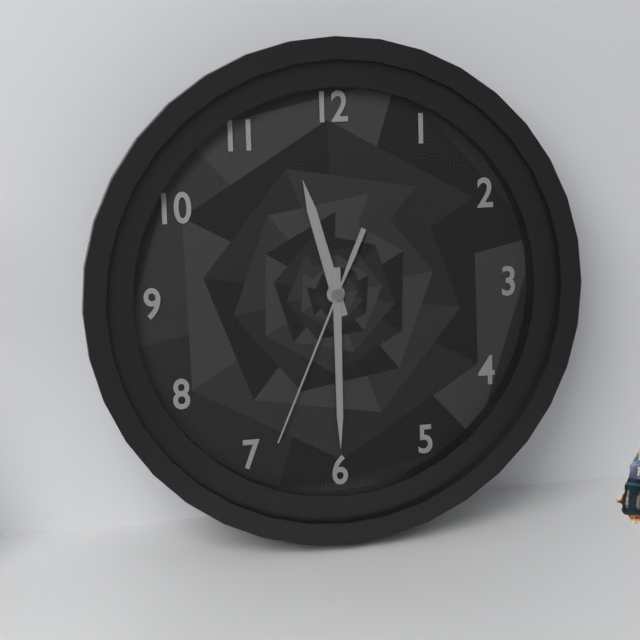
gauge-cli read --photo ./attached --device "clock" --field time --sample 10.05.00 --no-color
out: 11.30.34
